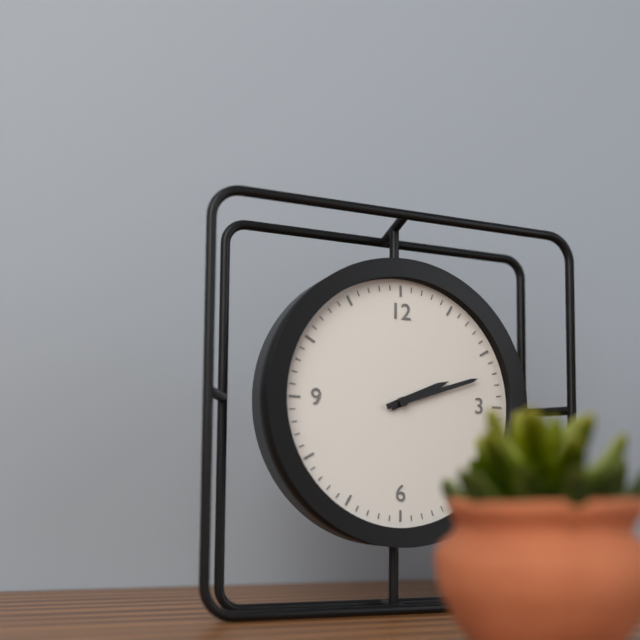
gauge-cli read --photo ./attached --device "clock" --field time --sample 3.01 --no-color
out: 2.12
